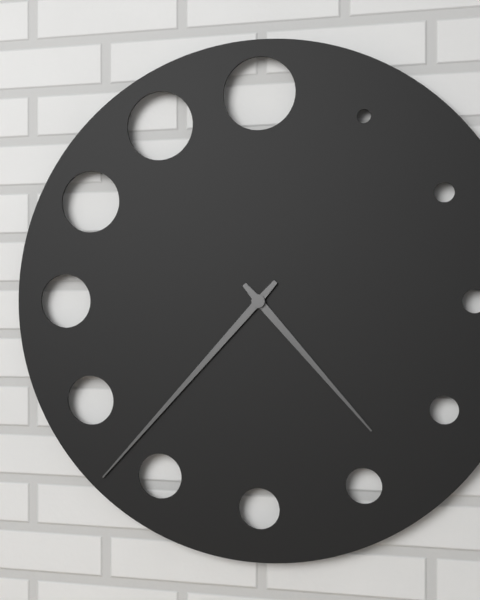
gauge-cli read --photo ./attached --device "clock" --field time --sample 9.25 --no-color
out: 4.37
